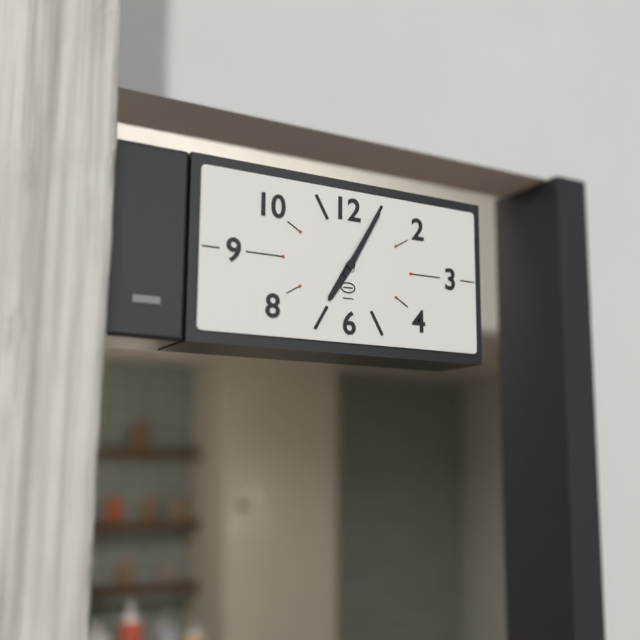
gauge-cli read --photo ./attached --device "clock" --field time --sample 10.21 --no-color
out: 7.05
